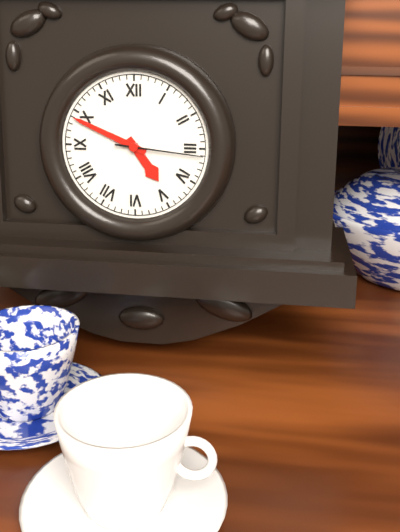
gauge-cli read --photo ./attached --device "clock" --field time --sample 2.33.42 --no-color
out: 4.49.16
